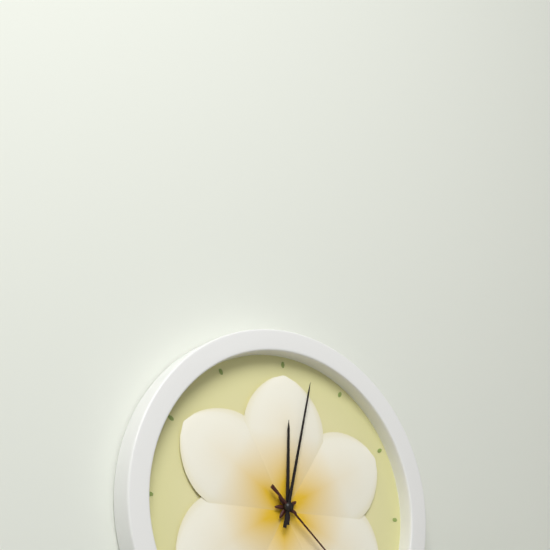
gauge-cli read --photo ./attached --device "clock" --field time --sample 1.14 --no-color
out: 12.02
